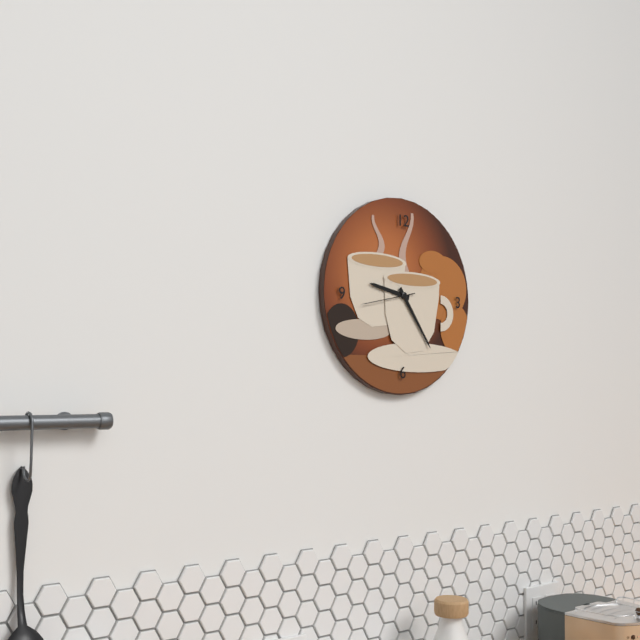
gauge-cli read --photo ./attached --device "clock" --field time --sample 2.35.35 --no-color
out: 9.24.43
